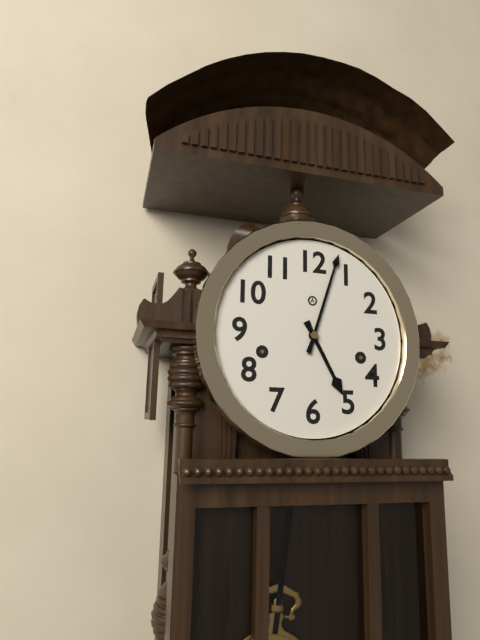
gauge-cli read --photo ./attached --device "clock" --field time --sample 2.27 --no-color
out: 5.03
